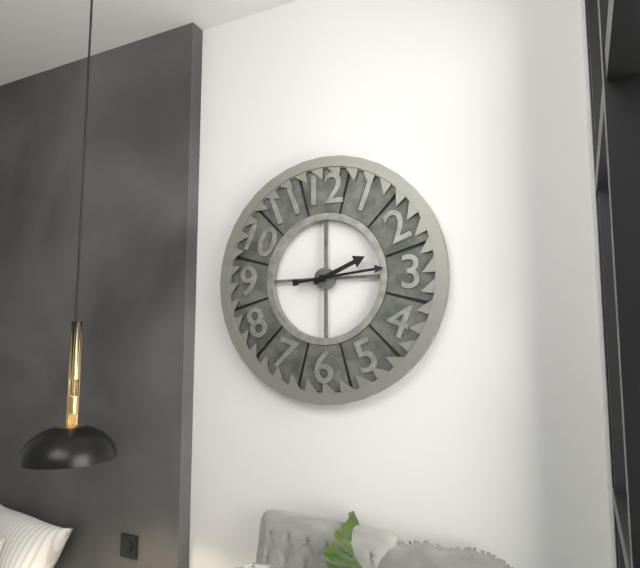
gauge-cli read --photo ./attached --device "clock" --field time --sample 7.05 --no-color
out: 2.14
